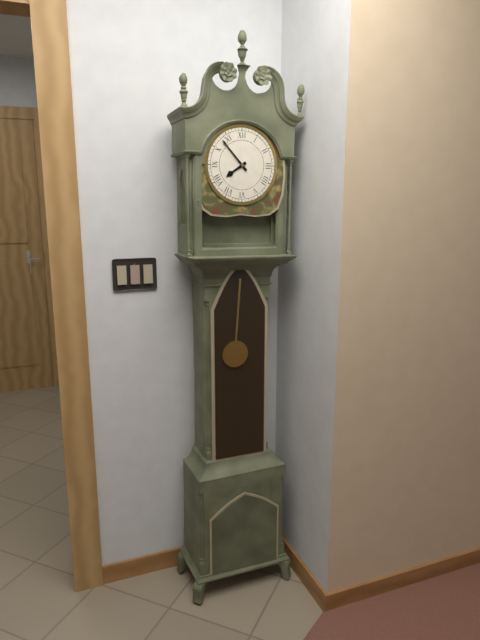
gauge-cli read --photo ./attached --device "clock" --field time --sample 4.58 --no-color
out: 7.53
